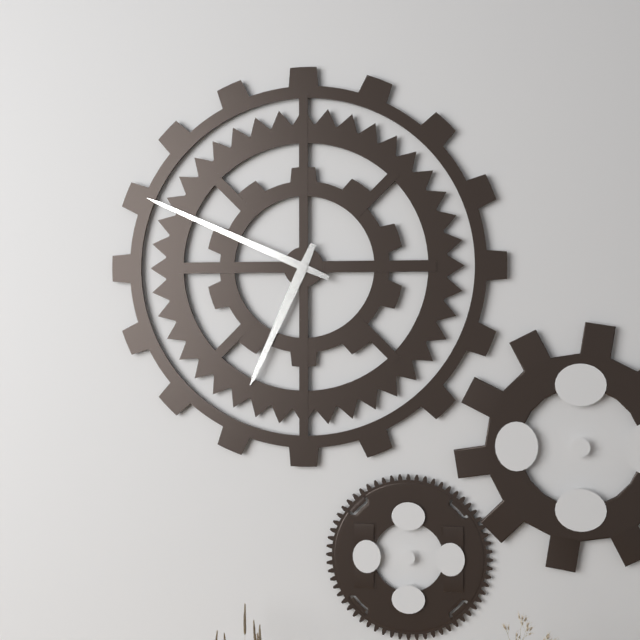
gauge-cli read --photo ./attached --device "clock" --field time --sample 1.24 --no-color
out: 6.49
